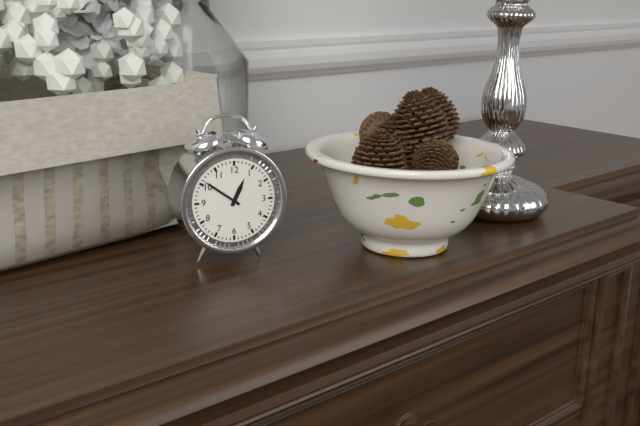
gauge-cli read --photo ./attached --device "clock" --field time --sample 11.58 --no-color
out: 12.51
